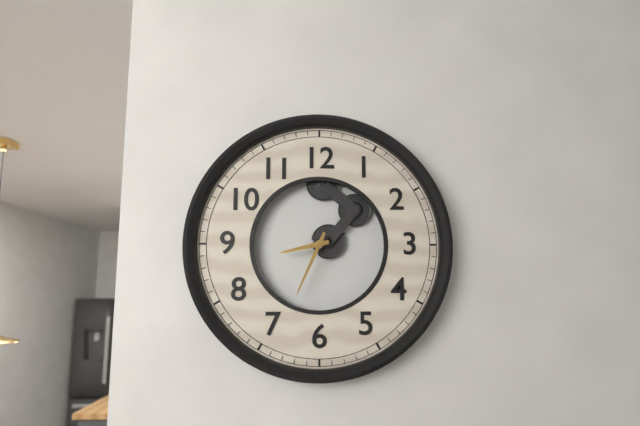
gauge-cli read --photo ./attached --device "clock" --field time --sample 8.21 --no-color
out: 8.34
